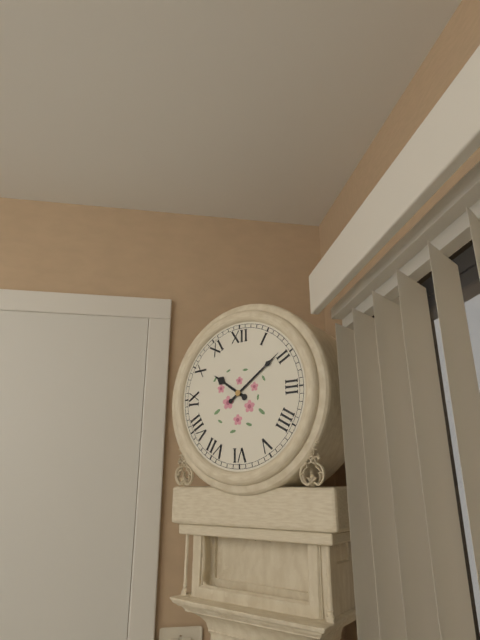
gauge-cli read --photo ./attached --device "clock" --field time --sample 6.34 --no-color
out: 10.09
